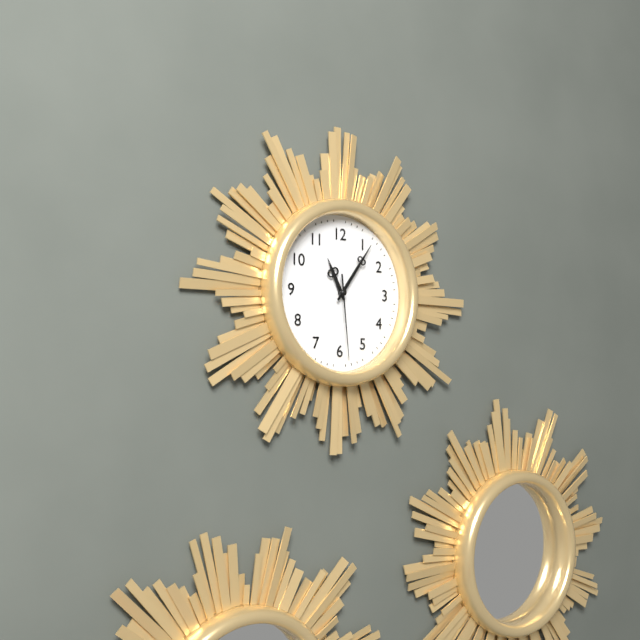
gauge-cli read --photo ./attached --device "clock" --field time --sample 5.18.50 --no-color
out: 11.06.29
